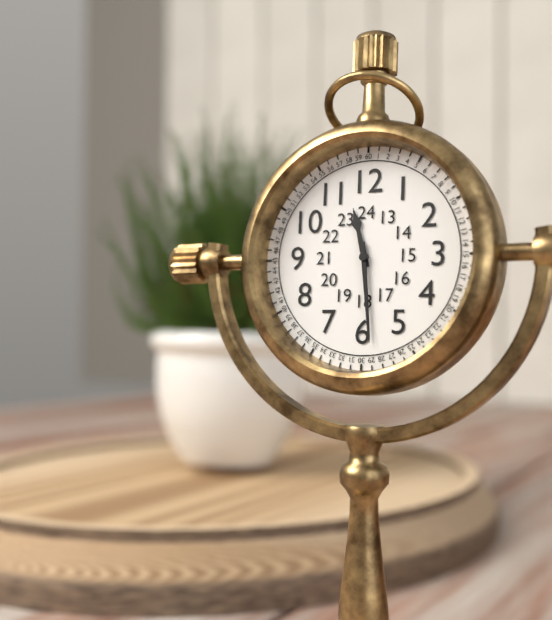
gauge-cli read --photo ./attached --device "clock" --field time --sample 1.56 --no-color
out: 11.29
